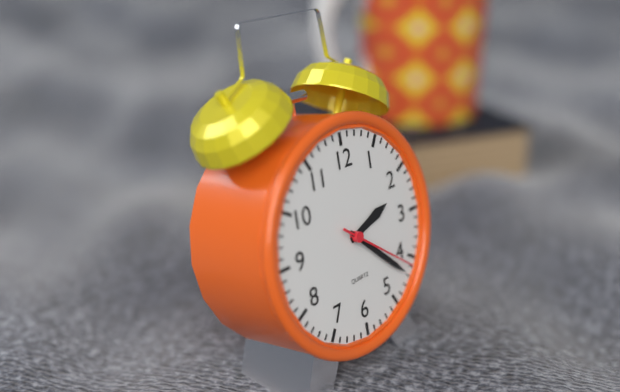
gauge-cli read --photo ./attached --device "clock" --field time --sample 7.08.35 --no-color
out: 2.22.21
